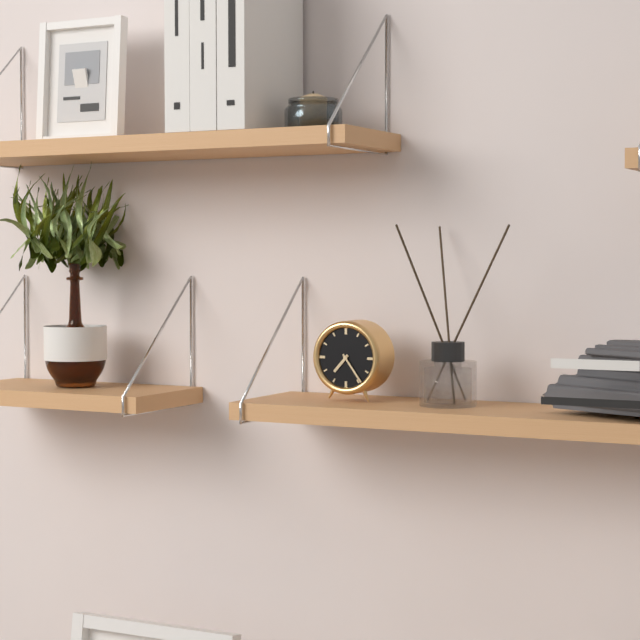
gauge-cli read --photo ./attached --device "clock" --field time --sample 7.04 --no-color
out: 7.24
